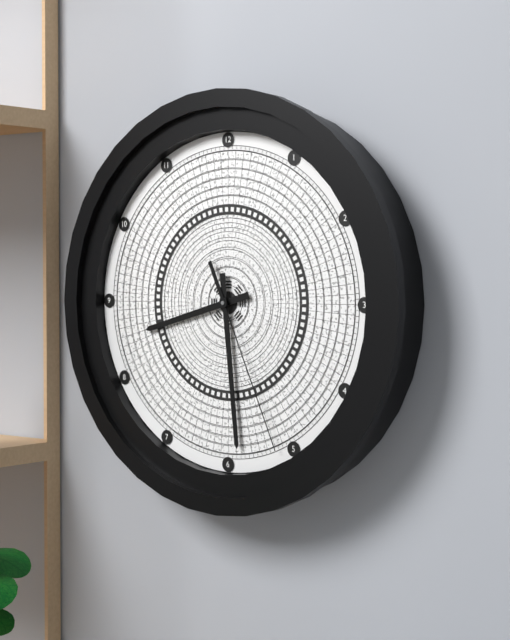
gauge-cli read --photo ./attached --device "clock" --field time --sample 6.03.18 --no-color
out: 8.29.26
